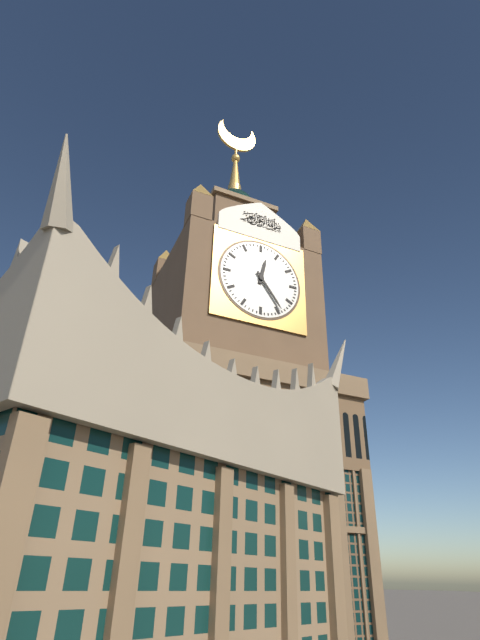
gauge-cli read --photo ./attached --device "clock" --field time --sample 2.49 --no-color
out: 12.24
